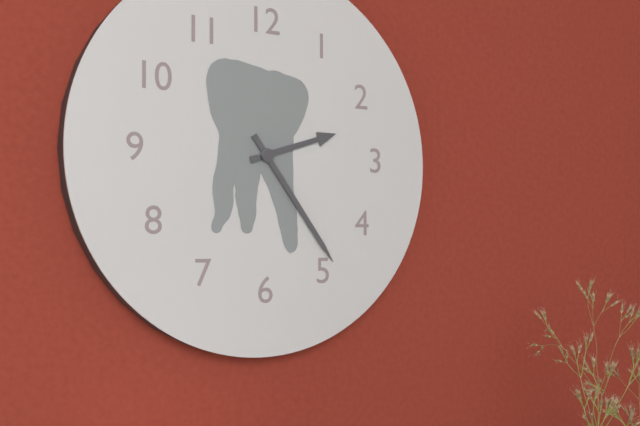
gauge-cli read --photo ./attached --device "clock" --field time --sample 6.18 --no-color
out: 2.24
